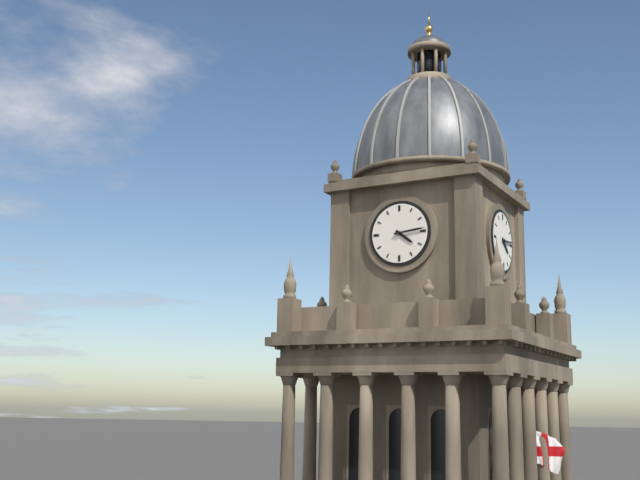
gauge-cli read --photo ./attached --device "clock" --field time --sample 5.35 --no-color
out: 4.14
